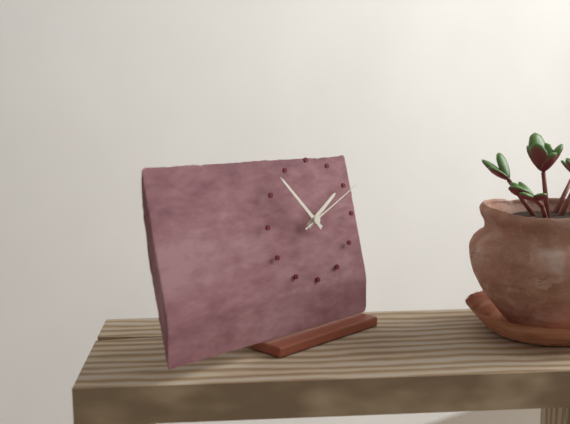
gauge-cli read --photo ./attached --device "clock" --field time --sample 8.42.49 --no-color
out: 1.53.11
